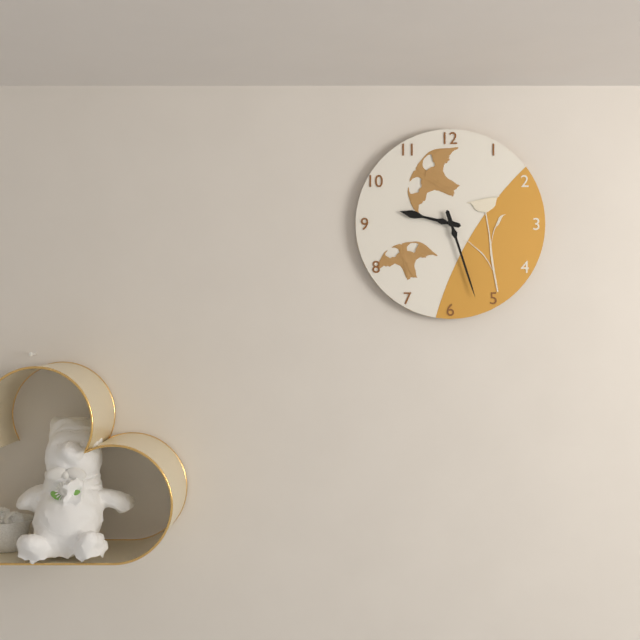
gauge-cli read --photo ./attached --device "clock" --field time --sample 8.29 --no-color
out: 9.27
